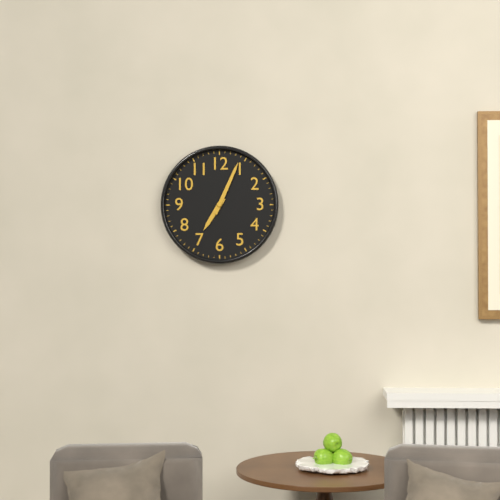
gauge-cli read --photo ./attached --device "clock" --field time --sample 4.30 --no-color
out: 7.04
